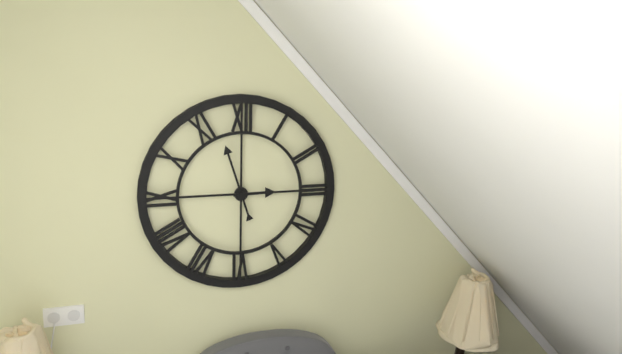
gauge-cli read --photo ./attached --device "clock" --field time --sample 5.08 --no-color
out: 2.57
